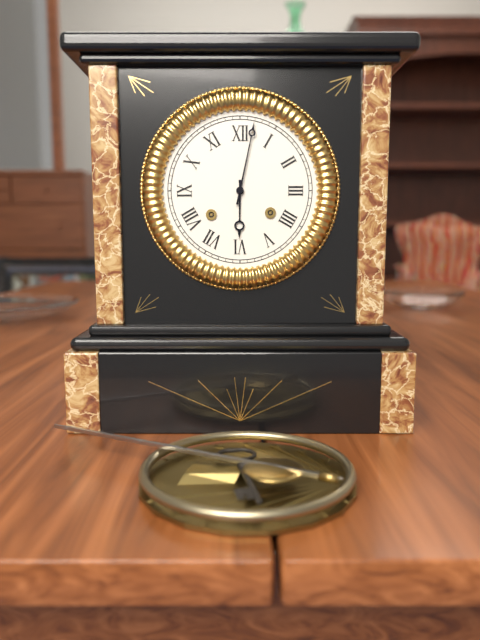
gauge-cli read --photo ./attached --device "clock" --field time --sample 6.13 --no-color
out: 6.02
